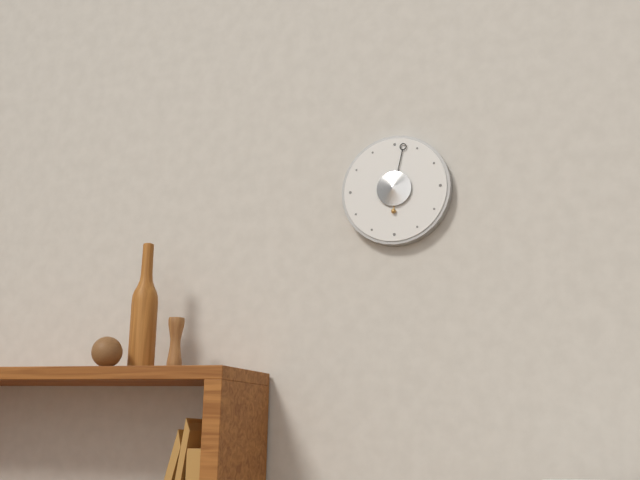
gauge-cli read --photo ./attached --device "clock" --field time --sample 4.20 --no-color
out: 6.02
